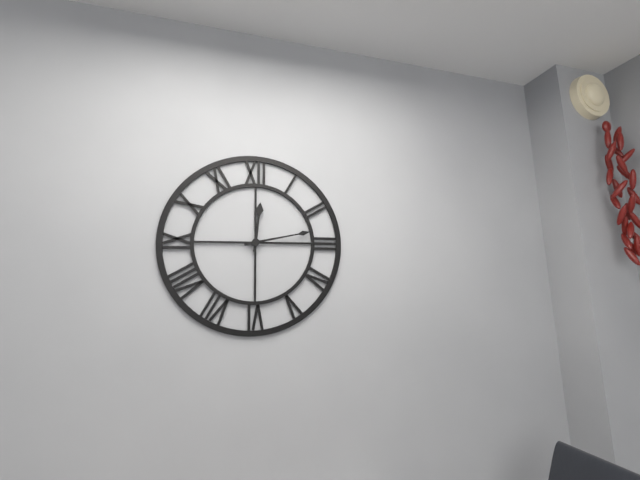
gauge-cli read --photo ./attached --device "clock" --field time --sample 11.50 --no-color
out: 12.13
